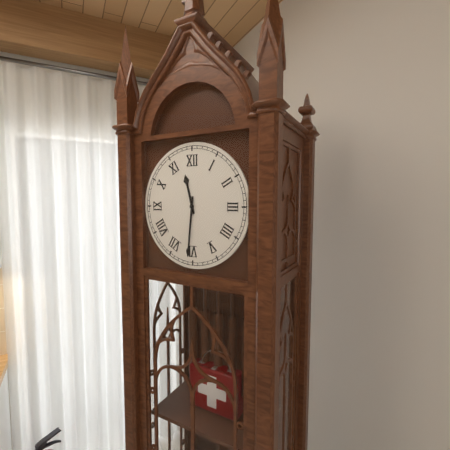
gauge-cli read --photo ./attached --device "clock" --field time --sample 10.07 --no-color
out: 11.31
